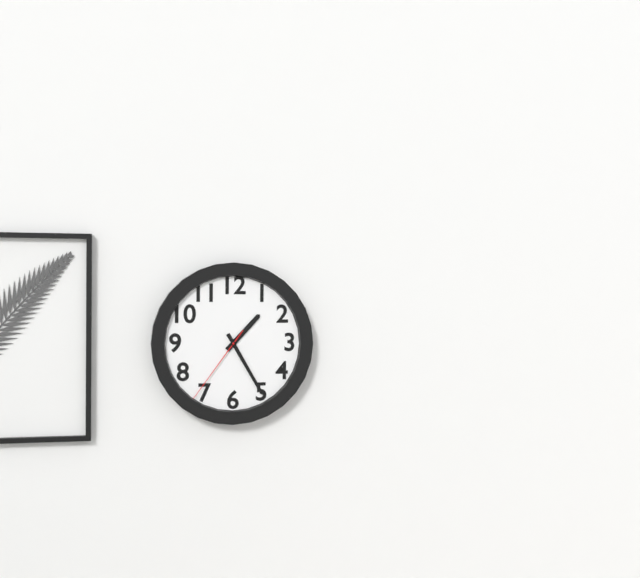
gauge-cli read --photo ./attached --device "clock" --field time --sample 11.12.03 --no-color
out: 1.25.36
